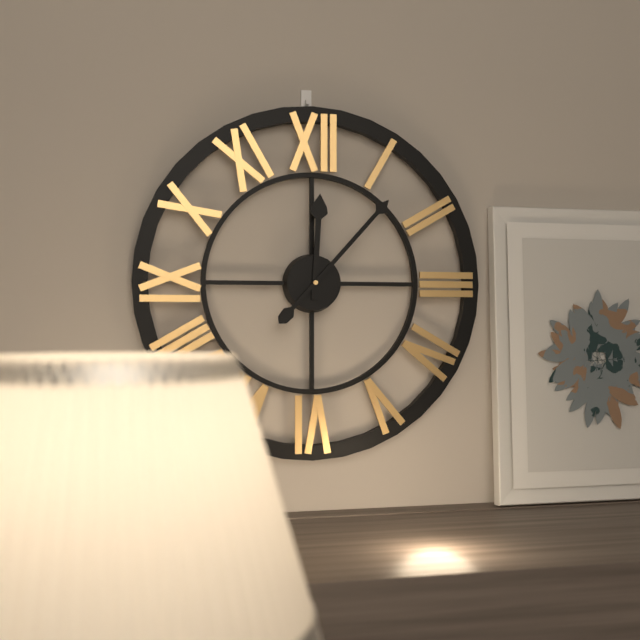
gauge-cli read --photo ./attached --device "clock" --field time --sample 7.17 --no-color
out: 12.07
